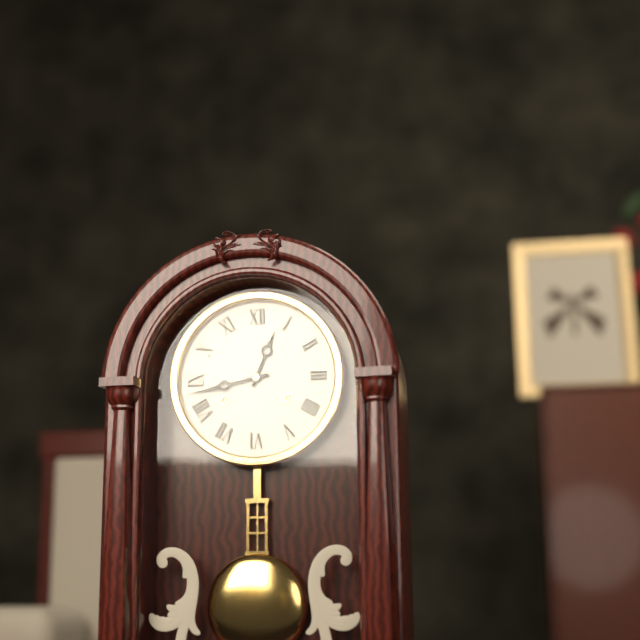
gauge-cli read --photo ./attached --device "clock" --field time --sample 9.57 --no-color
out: 12.43
